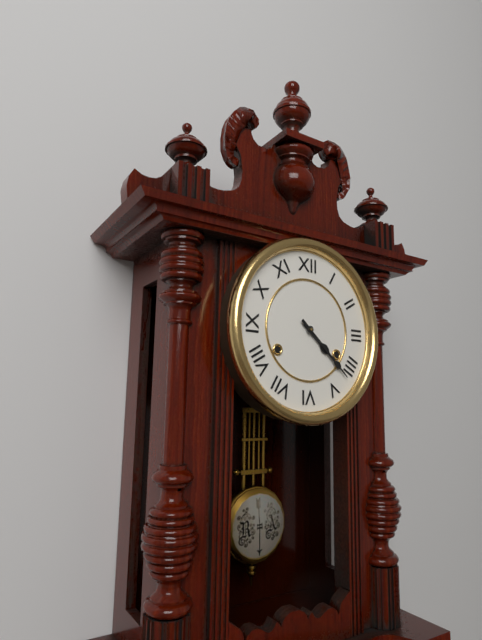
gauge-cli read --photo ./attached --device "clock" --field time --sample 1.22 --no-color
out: 4.22
